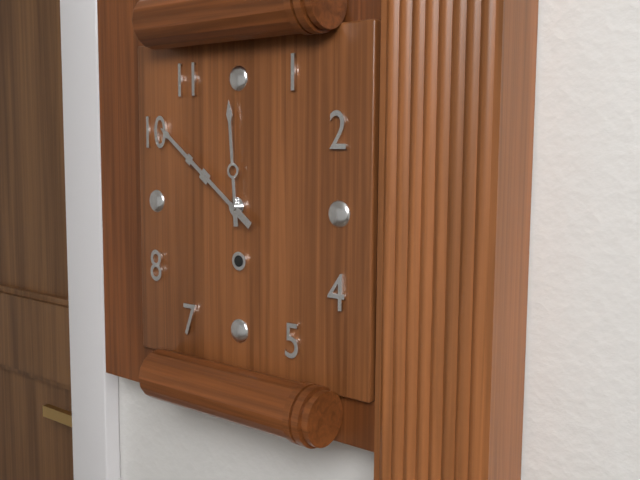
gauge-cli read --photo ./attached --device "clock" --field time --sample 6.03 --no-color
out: 11.51
